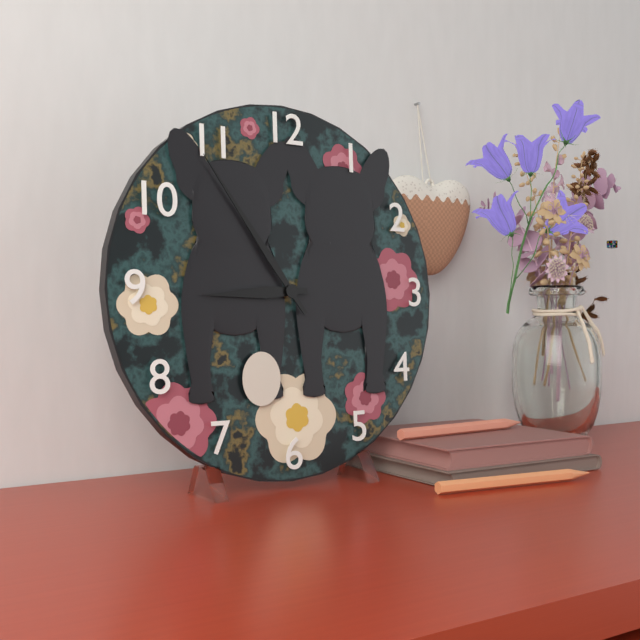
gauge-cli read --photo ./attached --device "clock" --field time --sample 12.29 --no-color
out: 8.54
